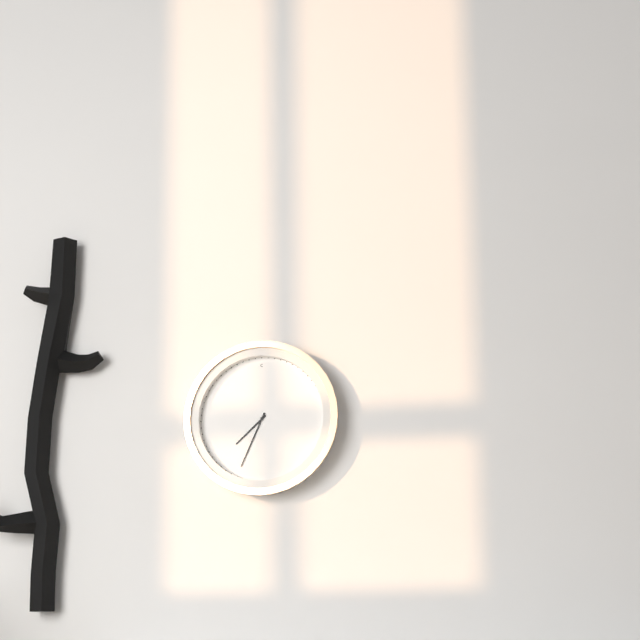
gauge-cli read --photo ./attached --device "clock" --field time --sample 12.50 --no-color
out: 7.34
